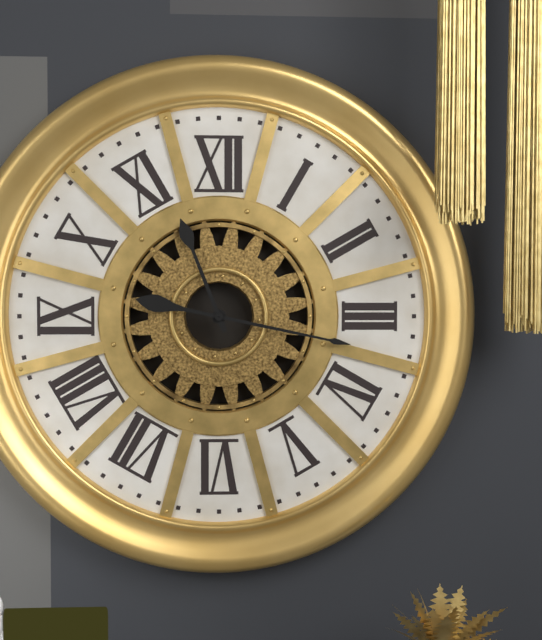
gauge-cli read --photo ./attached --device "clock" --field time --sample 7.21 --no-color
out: 11.17
